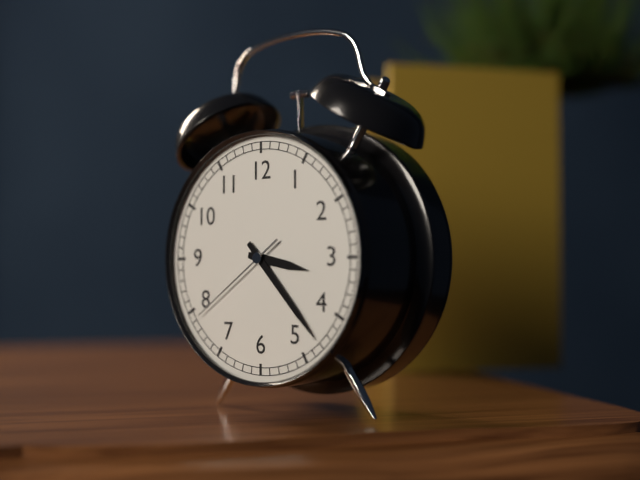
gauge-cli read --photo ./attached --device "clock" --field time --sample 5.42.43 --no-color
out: 3.23.39
